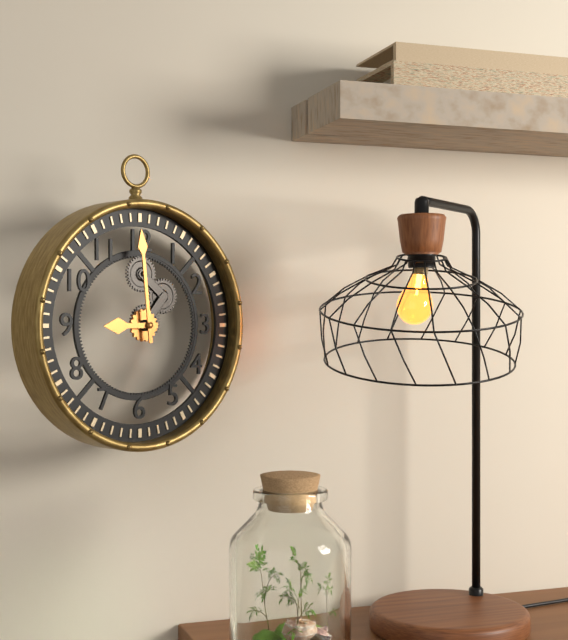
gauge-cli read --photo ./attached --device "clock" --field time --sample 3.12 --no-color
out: 8.59
